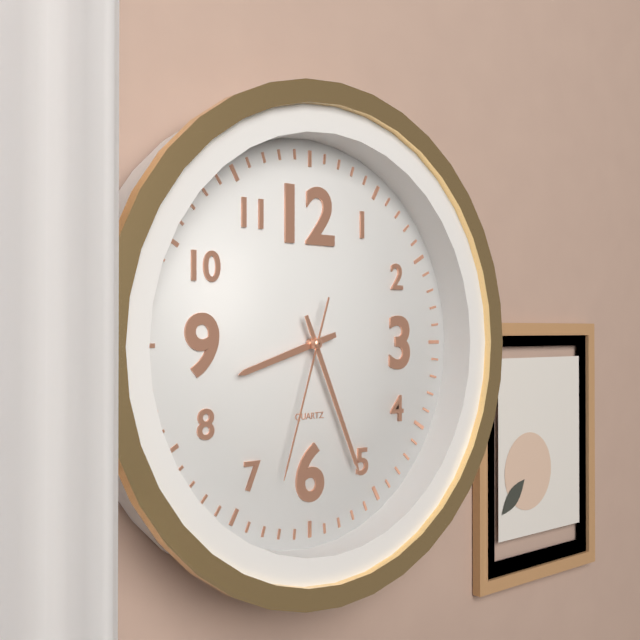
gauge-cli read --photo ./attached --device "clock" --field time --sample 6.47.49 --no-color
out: 8.26.33
